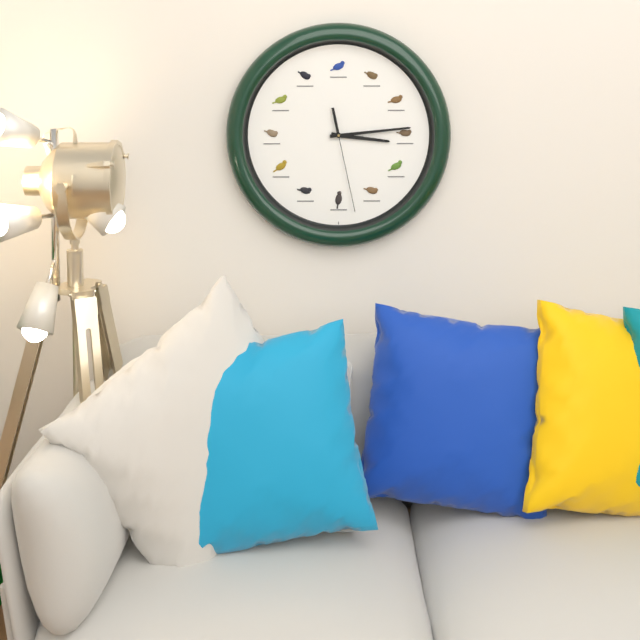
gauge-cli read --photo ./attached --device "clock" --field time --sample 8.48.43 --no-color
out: 3.14.28
